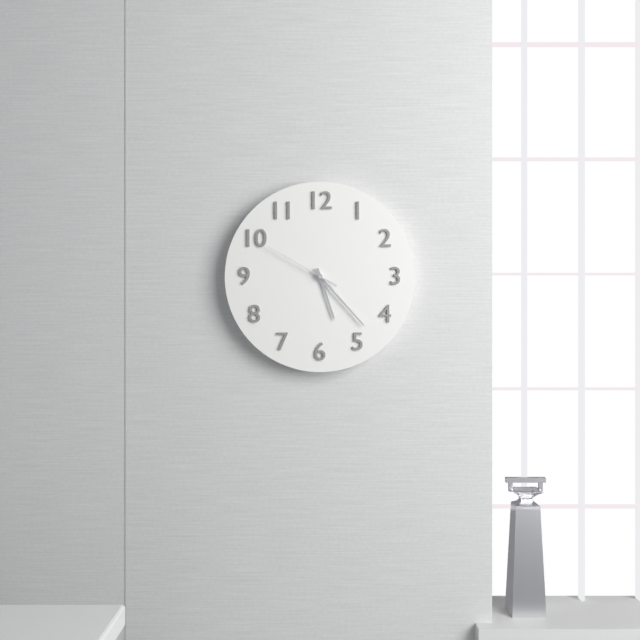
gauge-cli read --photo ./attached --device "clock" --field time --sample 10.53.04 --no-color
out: 5.23.50
